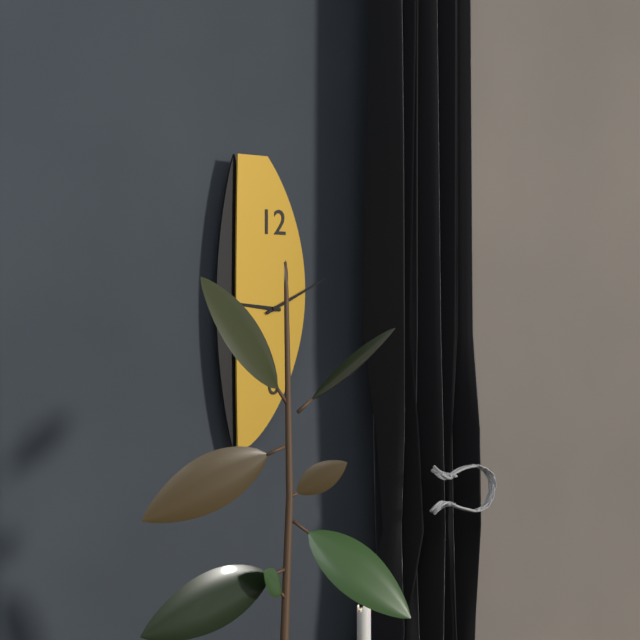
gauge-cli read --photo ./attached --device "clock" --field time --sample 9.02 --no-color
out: 9.11
